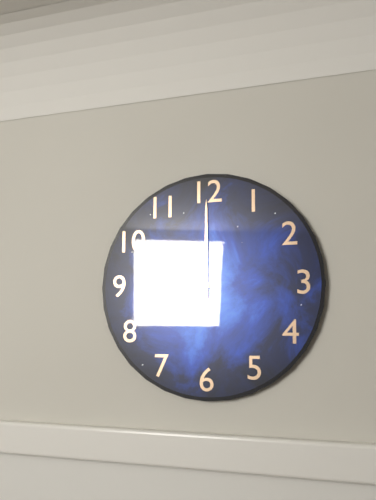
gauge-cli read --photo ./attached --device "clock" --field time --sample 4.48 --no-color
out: 9.00
